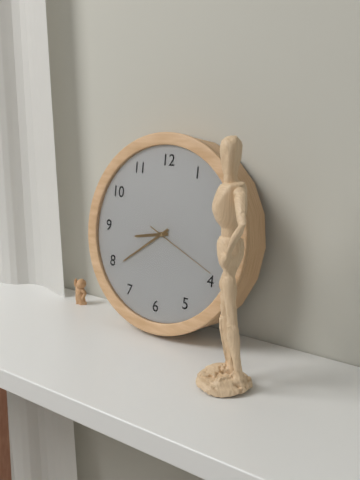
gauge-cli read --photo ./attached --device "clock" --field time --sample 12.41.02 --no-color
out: 8.39.19
